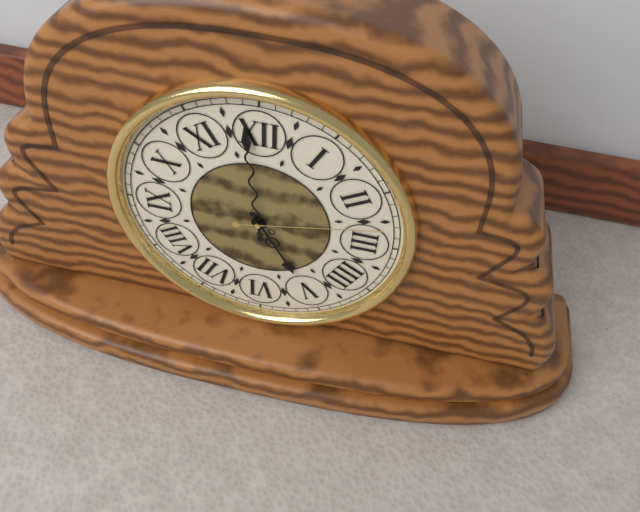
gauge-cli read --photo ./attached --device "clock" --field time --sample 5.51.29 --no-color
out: 4.59.13
